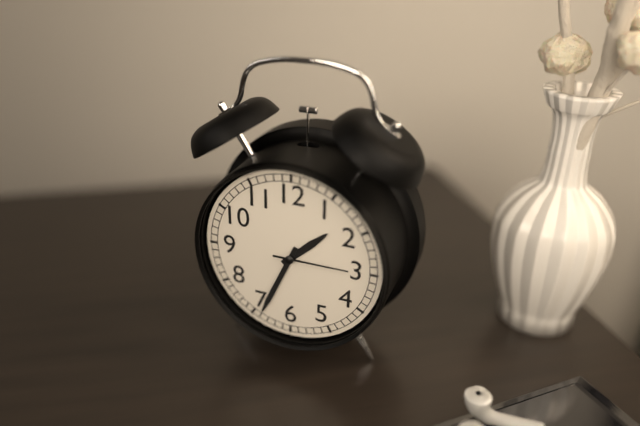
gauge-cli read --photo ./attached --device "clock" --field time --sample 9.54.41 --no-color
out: 1.34.15
